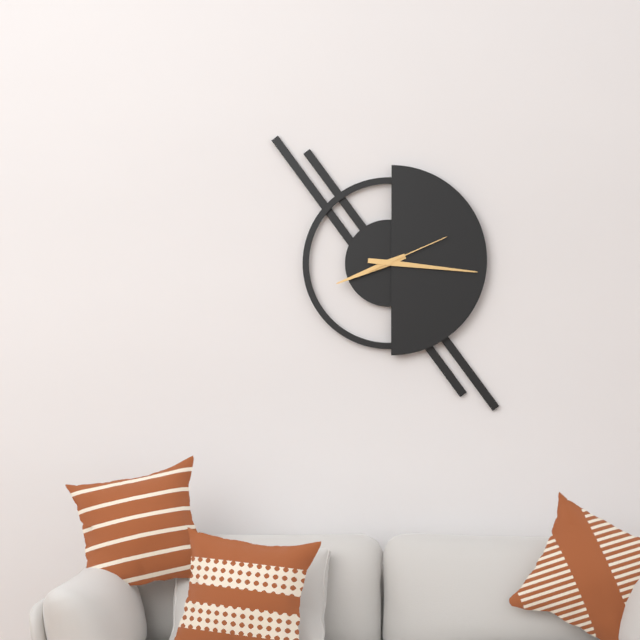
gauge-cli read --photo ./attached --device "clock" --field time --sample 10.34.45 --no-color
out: 8.16.11
